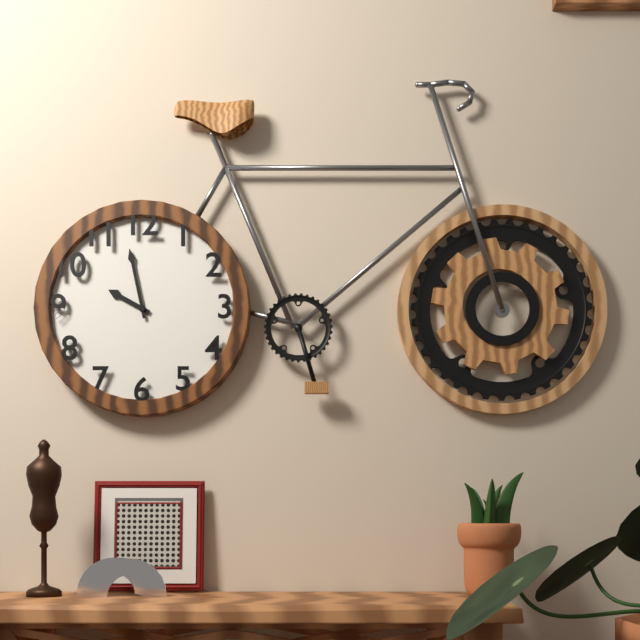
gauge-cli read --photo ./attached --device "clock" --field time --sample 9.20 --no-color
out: 9.58
